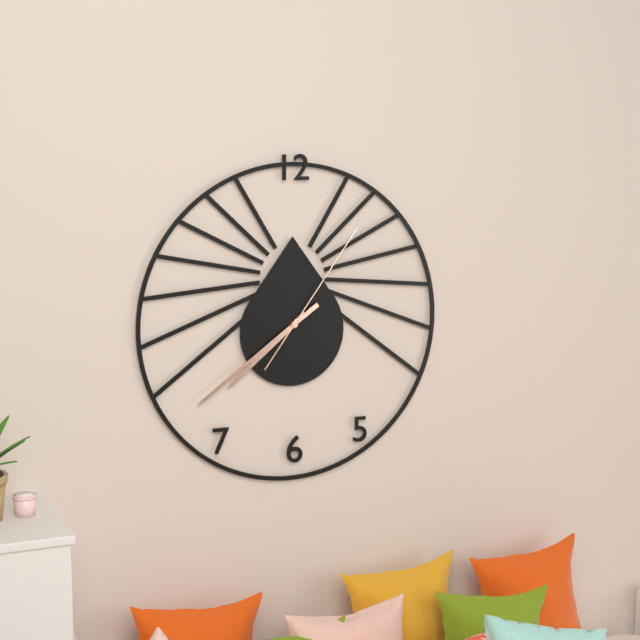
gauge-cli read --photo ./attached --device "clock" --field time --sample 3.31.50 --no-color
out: 7.39.06
